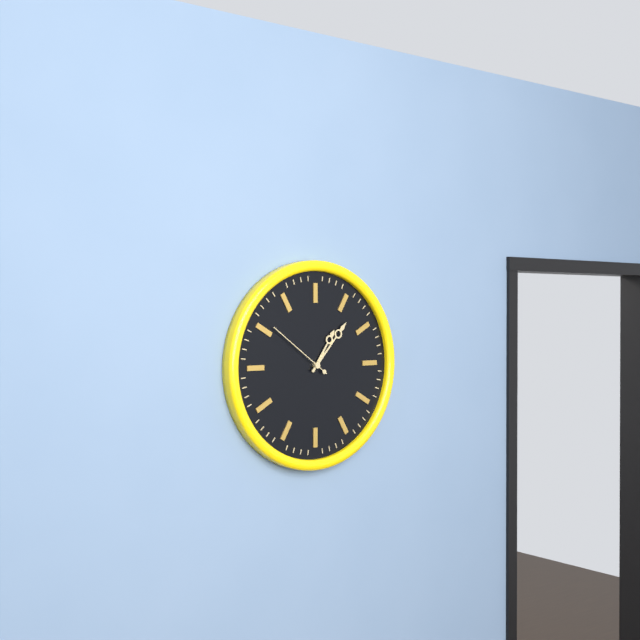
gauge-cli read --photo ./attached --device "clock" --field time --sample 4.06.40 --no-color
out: 1.07.51
